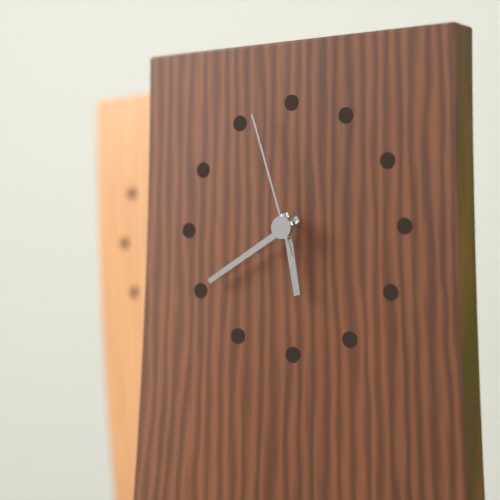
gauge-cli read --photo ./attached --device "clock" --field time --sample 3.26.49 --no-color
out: 5.40.57
